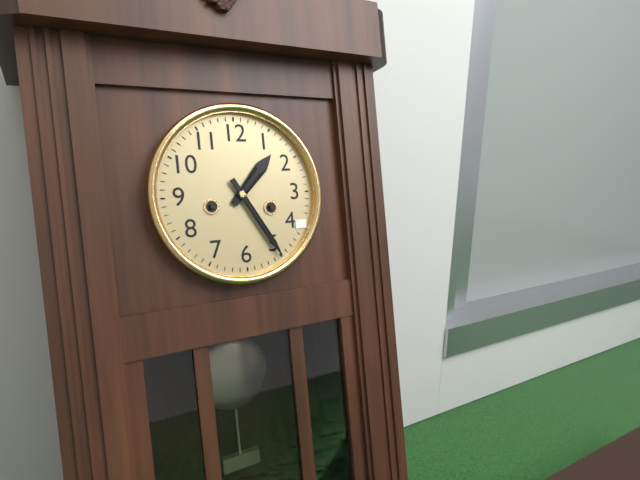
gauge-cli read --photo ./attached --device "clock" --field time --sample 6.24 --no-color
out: 1.25
